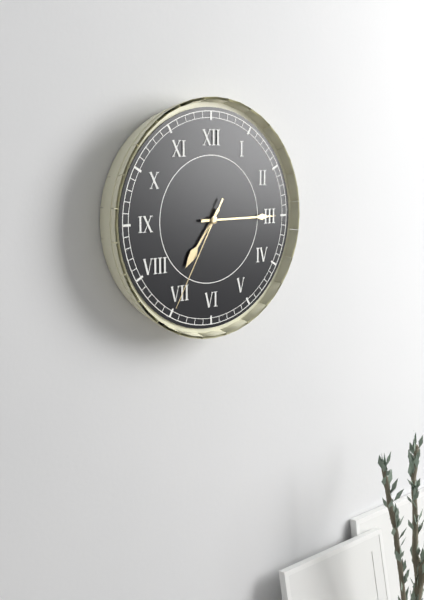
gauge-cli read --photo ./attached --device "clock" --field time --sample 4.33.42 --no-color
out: 7.15.35
